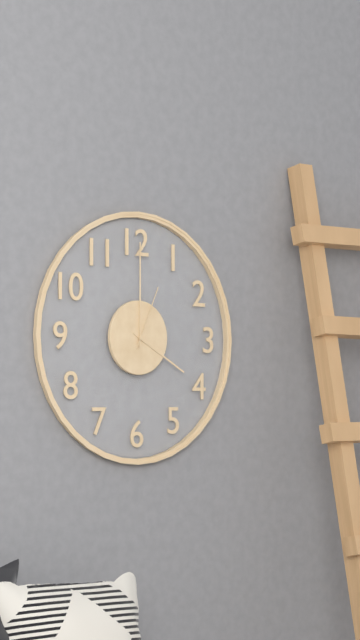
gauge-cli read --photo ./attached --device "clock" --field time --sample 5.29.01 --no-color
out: 4.00.04
